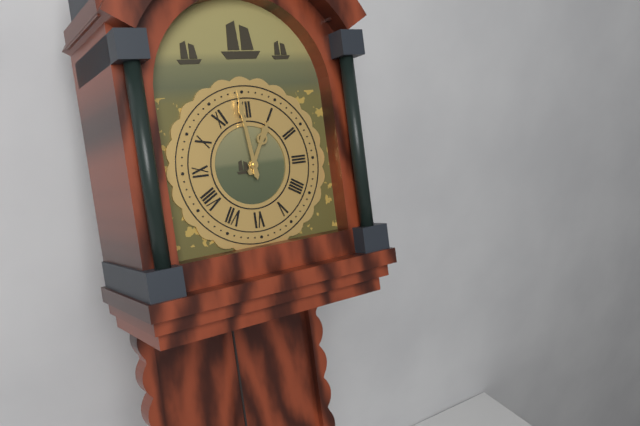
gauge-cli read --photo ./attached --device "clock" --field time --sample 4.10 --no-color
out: 12.59
